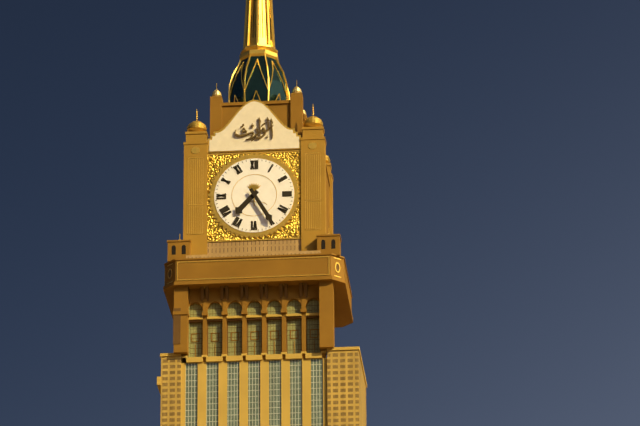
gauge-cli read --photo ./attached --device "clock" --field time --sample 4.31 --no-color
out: 7.25
